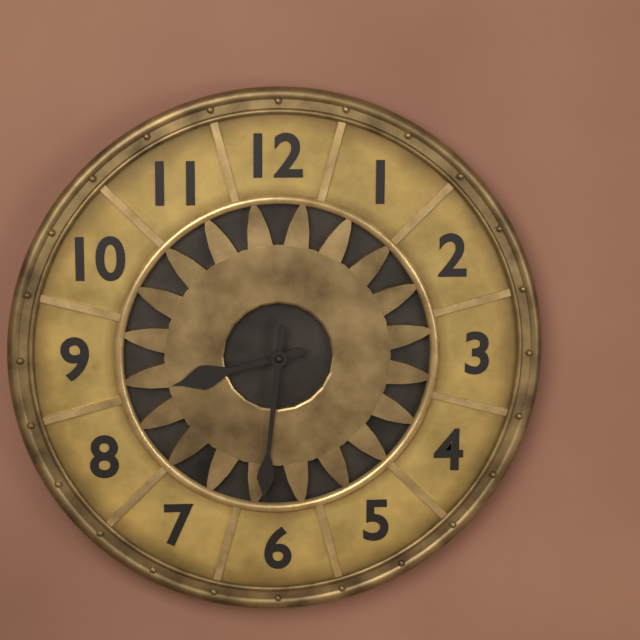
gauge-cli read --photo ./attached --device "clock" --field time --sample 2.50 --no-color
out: 8.31
